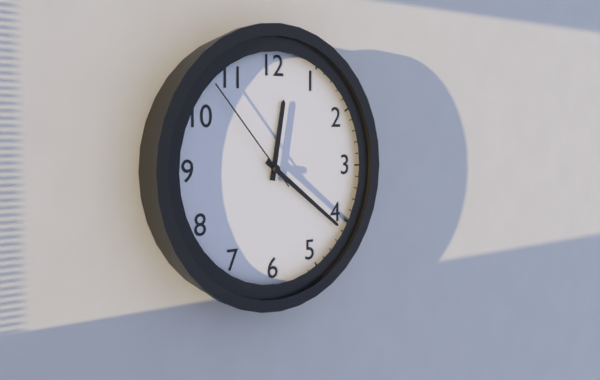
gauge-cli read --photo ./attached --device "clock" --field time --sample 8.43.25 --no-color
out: 12.21.53
